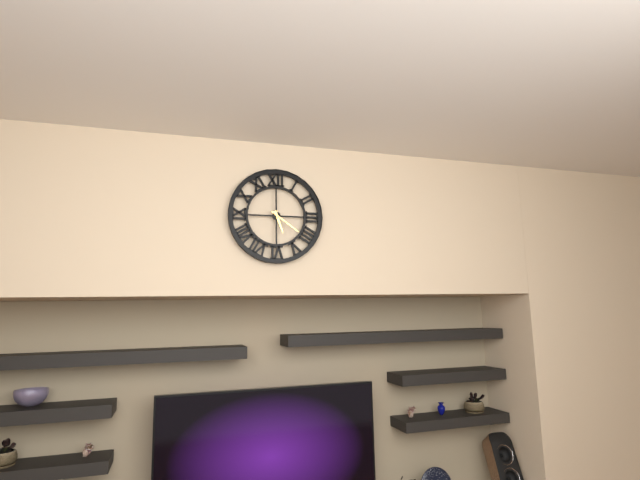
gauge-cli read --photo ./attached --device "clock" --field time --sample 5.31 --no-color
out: 5.21
